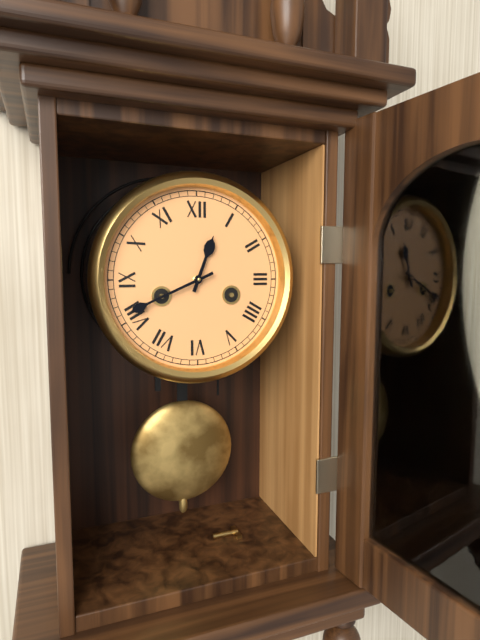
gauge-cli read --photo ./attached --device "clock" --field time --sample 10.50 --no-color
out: 12.41
